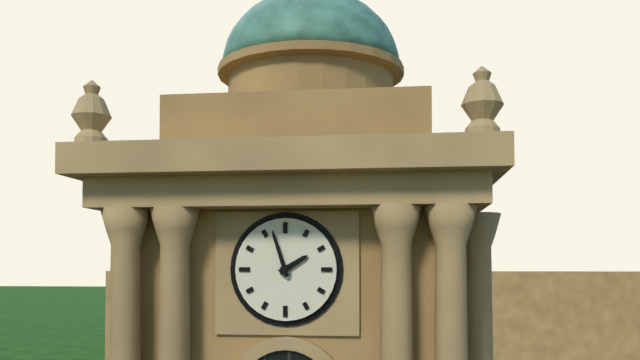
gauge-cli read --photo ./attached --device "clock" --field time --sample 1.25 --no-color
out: 1.57
